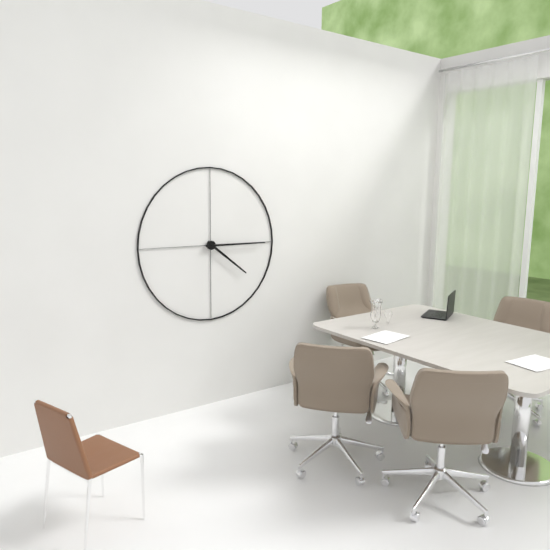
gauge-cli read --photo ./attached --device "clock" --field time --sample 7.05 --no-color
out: 4.15
